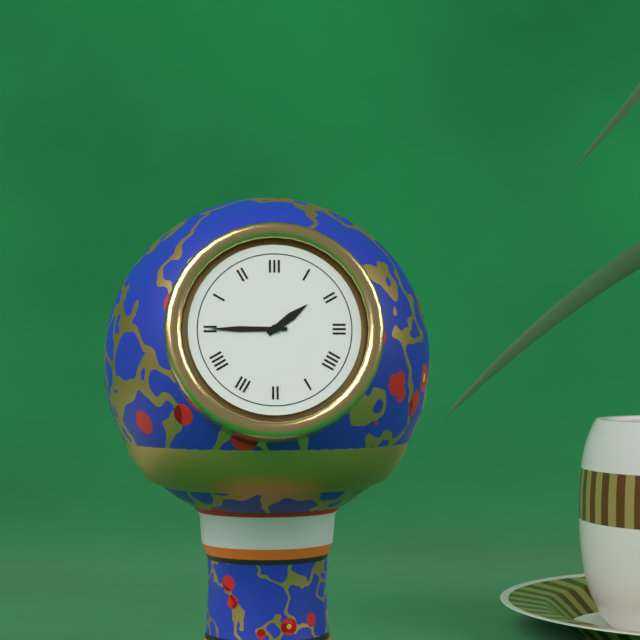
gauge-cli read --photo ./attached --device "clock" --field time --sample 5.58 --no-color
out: 1.45
